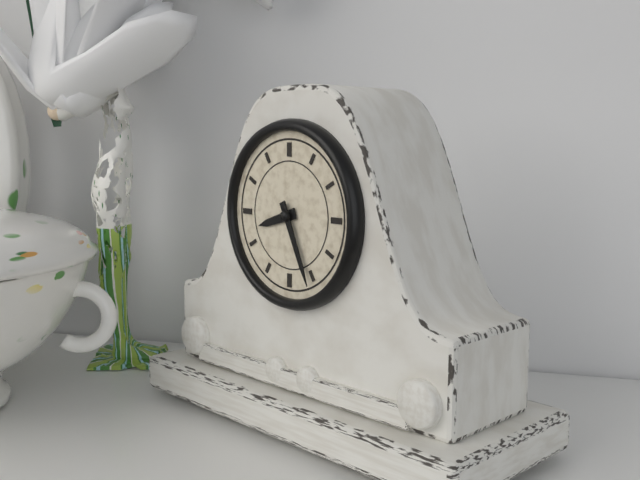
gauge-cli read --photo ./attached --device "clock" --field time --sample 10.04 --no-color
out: 8.26
